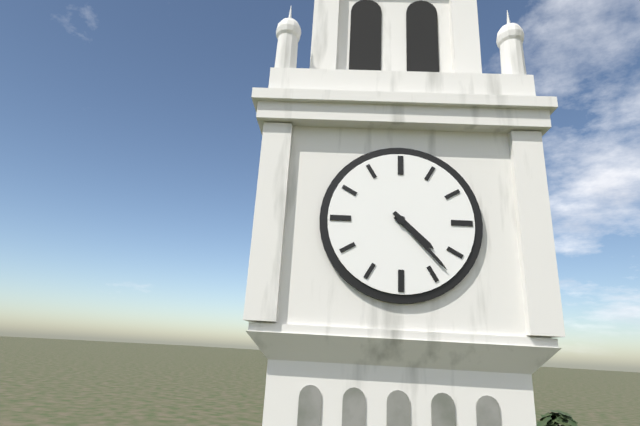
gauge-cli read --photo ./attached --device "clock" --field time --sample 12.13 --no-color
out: 4.23
